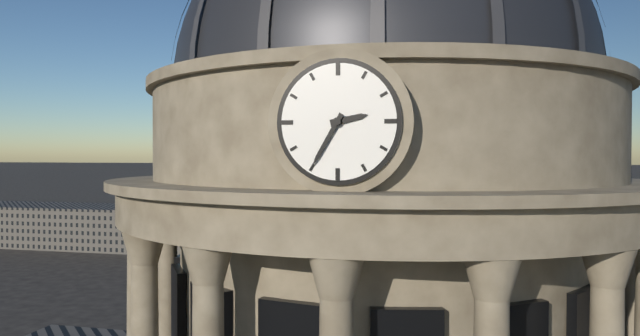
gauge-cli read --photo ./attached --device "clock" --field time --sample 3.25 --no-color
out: 2.35
